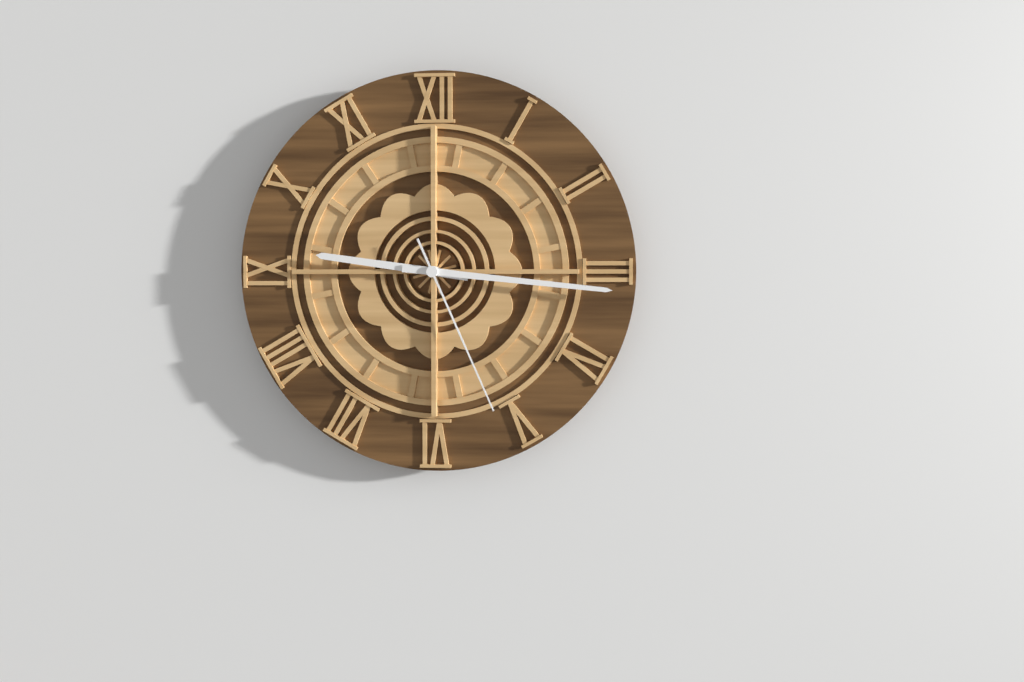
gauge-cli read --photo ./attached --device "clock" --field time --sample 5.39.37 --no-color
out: 9.16.26
